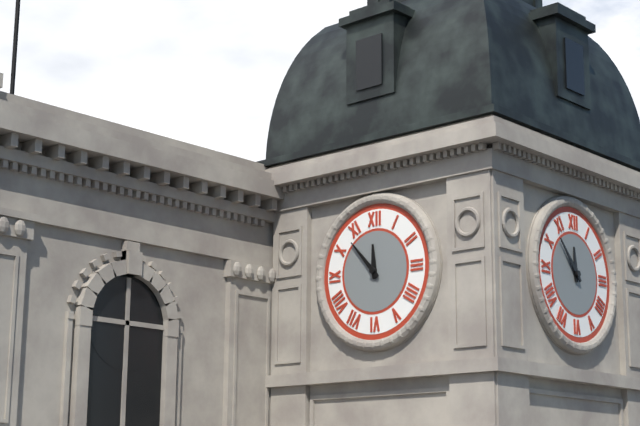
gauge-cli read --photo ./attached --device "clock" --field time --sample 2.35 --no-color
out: 11.53
